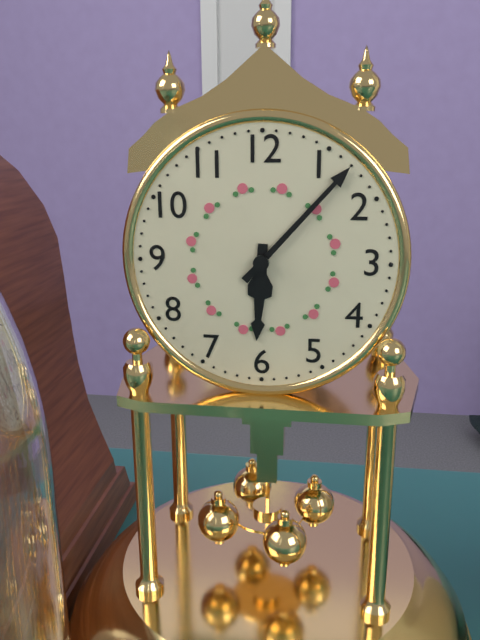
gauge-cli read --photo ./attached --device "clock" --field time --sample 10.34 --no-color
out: 6.07
